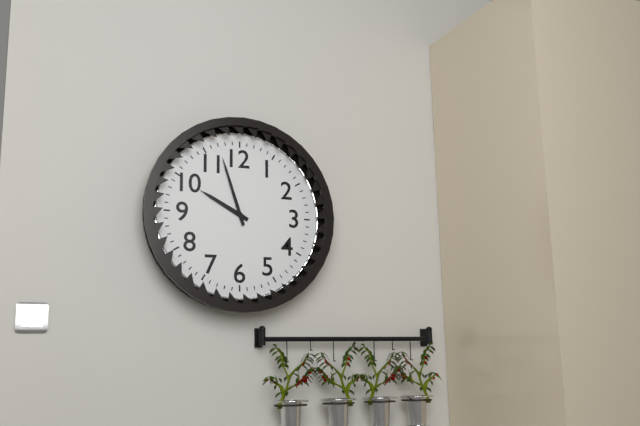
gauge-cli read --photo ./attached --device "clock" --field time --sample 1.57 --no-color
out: 9.57
